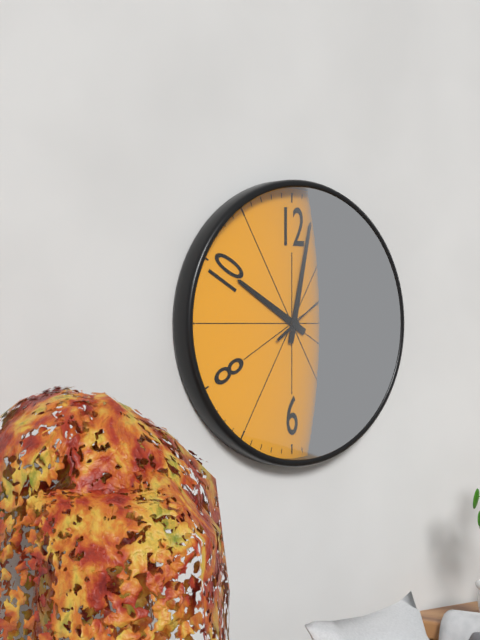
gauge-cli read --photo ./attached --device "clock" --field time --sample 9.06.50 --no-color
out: 10.02.09
